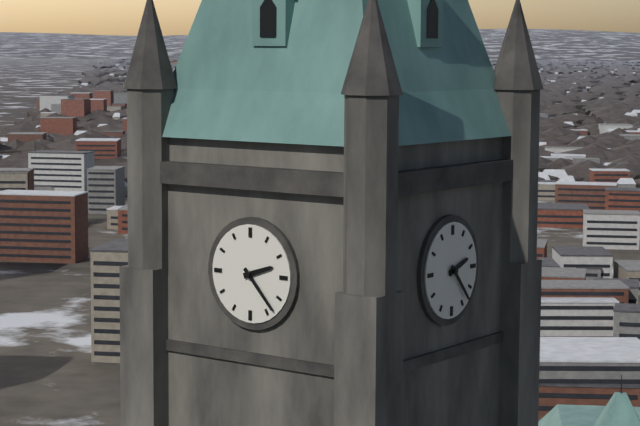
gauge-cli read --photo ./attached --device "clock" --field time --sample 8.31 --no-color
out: 2.23
